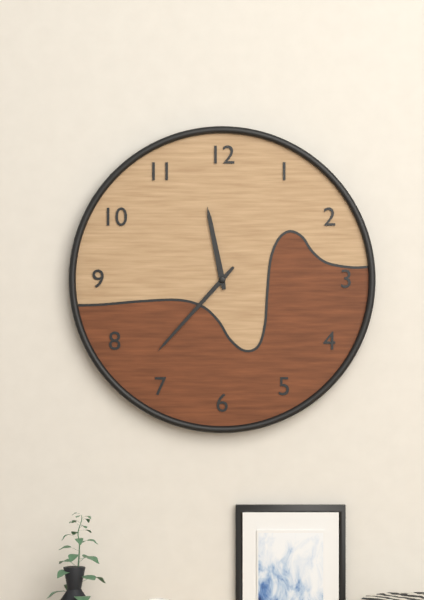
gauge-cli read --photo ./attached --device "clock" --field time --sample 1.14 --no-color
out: 11.37
